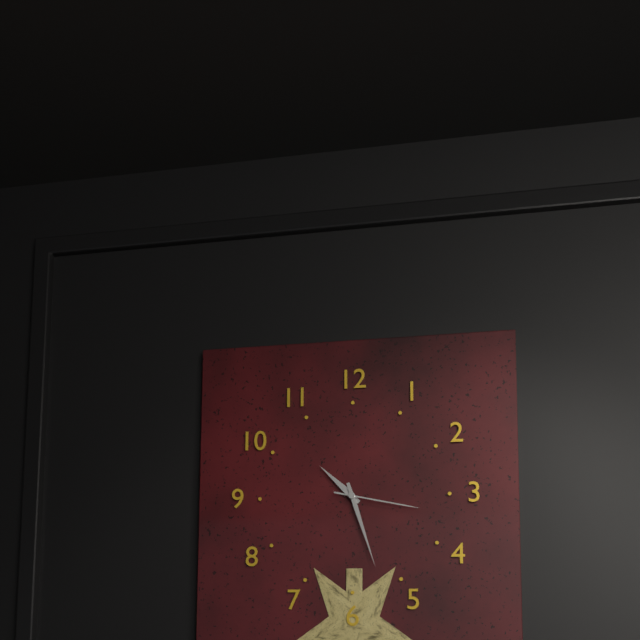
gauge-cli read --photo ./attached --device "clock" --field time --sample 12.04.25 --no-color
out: 10.27.17
